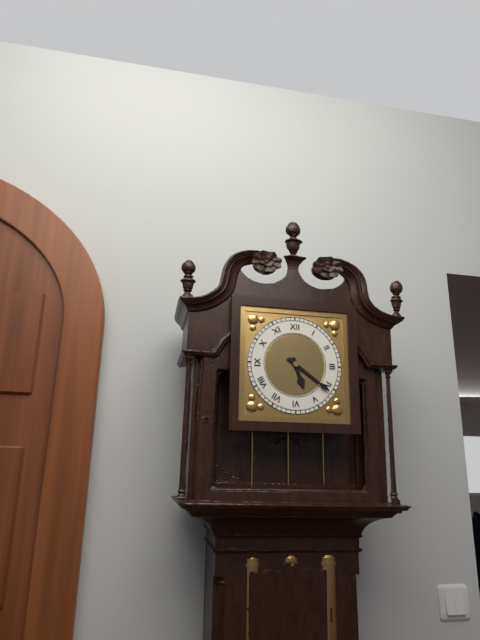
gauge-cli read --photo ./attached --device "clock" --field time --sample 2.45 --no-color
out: 5.21
